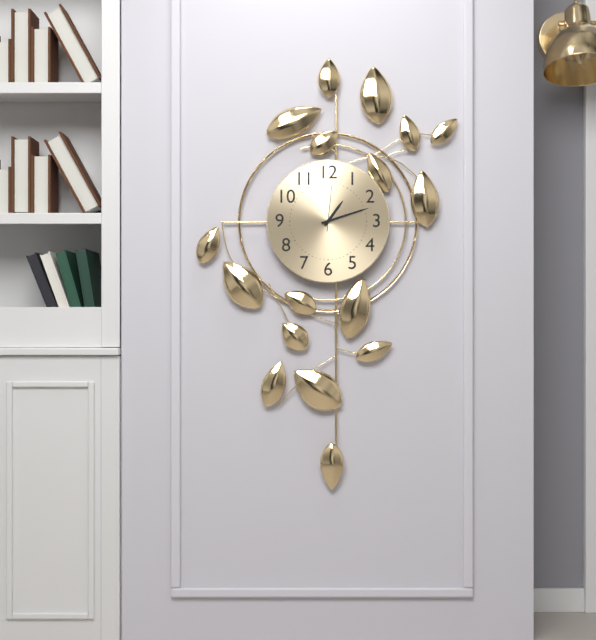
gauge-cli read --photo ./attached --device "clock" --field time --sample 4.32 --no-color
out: 1.12
